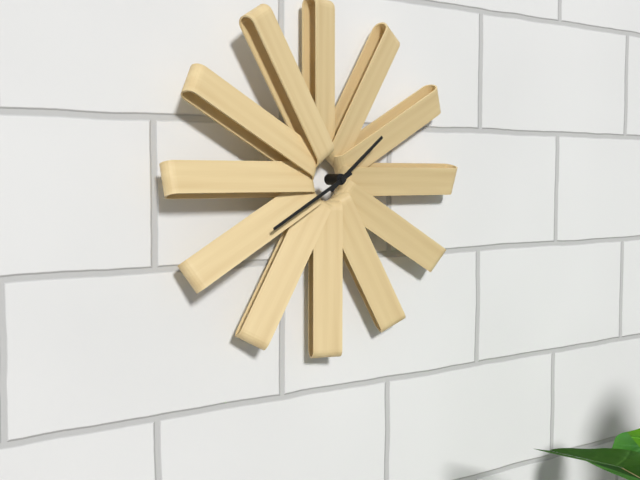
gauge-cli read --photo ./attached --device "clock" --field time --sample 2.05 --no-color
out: 1.40
